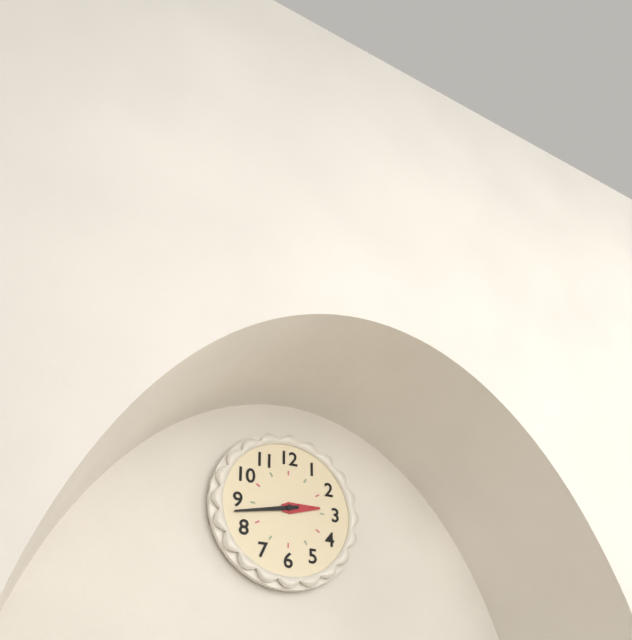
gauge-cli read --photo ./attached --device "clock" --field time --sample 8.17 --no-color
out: 2.43
